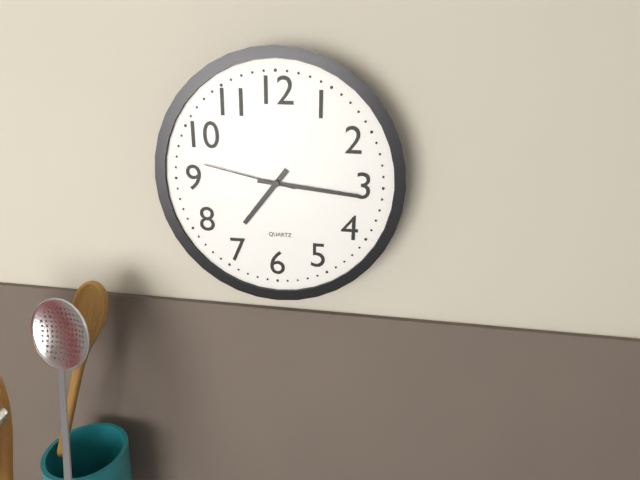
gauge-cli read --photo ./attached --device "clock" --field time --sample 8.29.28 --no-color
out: 7.16.47
